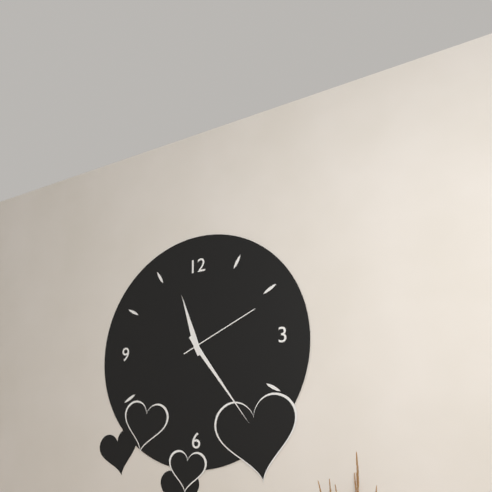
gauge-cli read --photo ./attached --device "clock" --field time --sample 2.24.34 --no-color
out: 11.24.11
